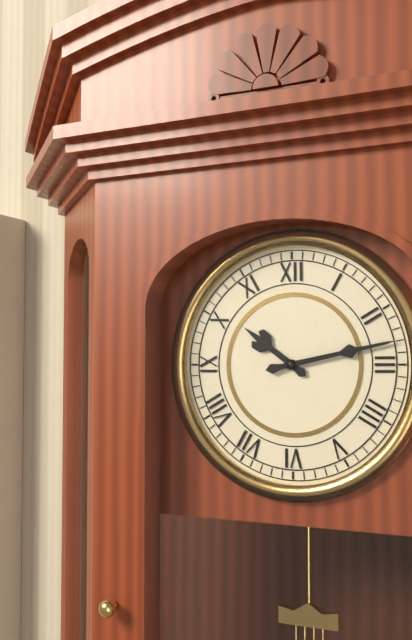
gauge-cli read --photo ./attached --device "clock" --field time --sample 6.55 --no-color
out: 10.13
